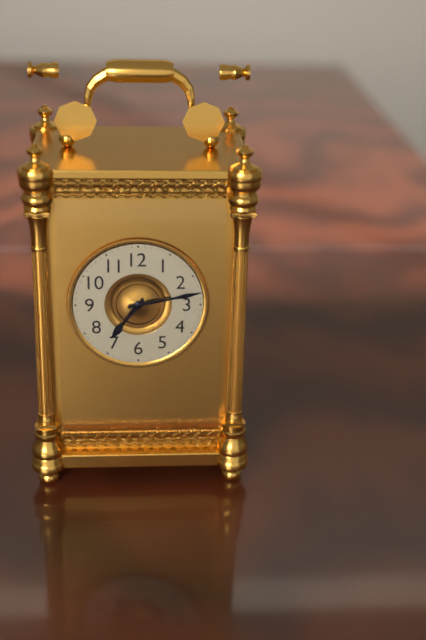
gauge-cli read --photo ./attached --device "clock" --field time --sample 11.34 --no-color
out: 7.13
